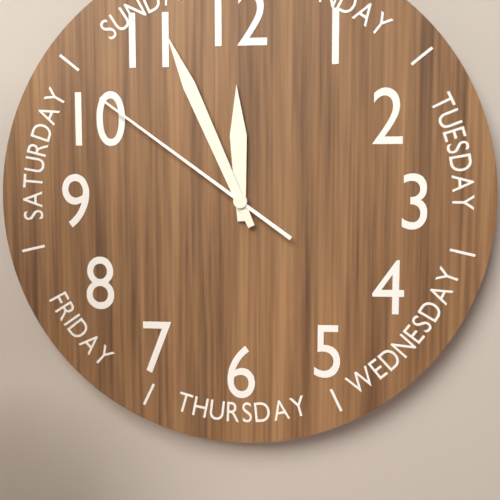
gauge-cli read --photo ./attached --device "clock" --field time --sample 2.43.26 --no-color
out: 11.56.51
